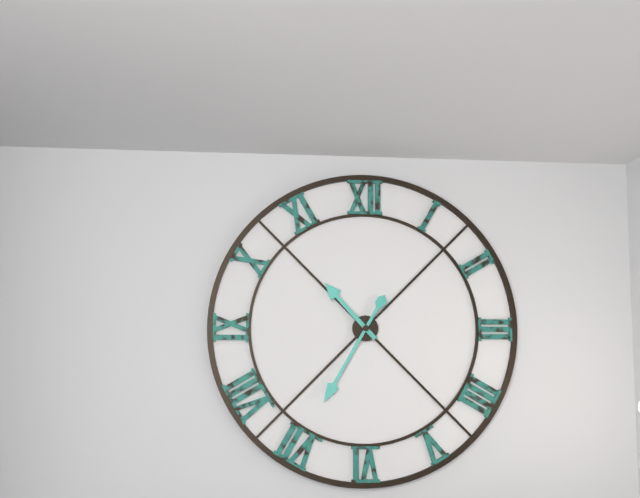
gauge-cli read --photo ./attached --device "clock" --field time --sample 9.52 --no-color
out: 10.35
